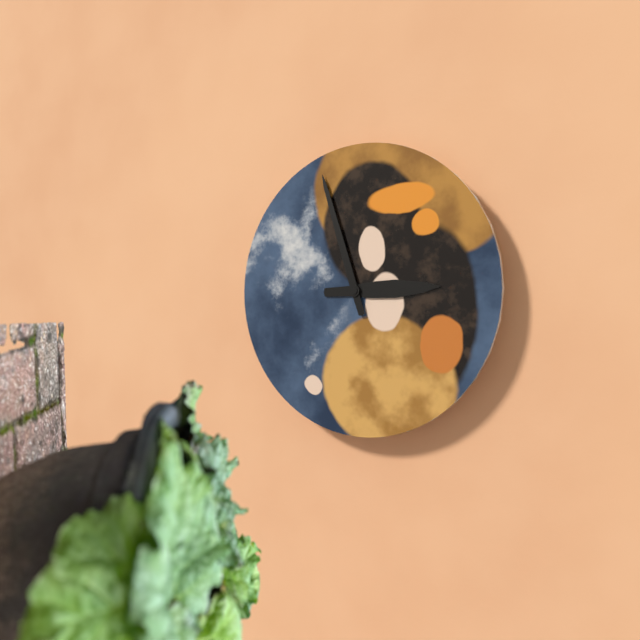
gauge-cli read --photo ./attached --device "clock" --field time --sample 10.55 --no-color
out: 2.57
